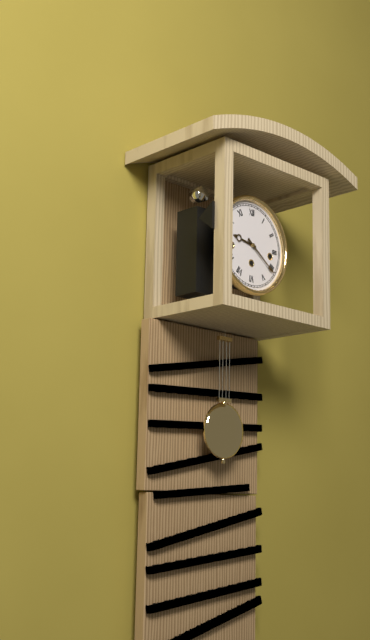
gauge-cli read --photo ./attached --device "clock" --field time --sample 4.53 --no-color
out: 9.21
